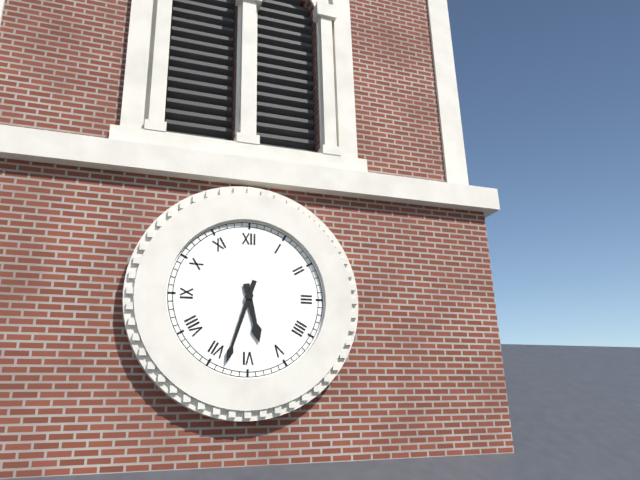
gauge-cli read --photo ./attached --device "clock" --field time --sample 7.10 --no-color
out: 5.33
